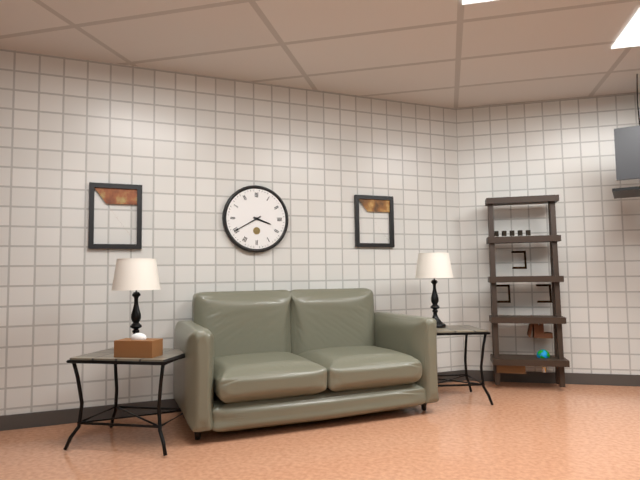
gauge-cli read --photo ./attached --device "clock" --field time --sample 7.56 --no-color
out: 3.40
